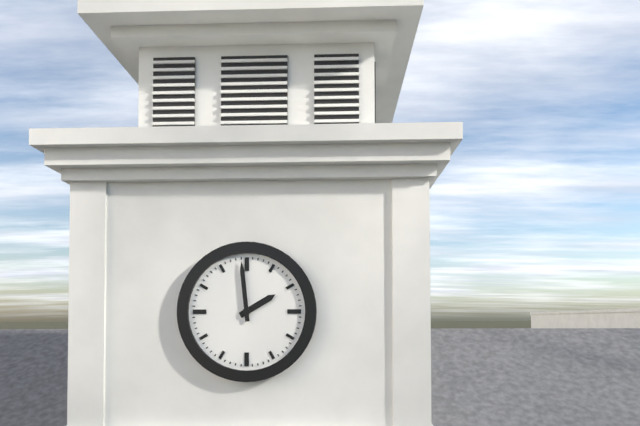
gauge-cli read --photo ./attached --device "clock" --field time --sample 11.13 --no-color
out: 1.59
